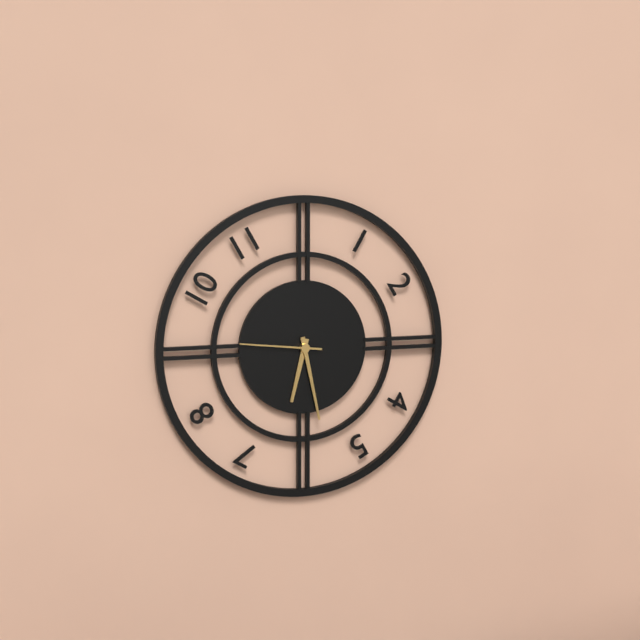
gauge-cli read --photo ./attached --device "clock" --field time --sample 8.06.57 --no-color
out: 6.28.46
